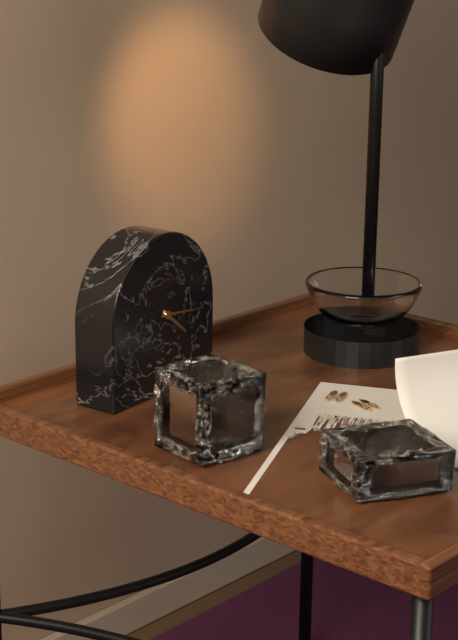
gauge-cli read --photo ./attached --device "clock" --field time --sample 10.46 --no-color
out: 4.16
